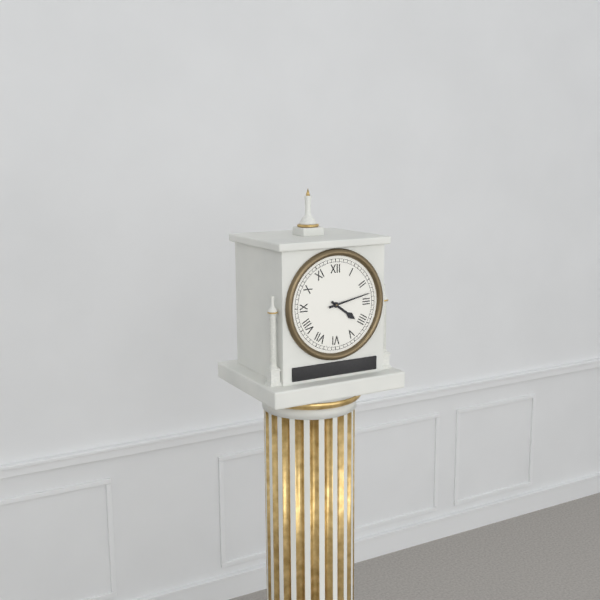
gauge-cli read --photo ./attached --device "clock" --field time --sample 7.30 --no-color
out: 4.13
